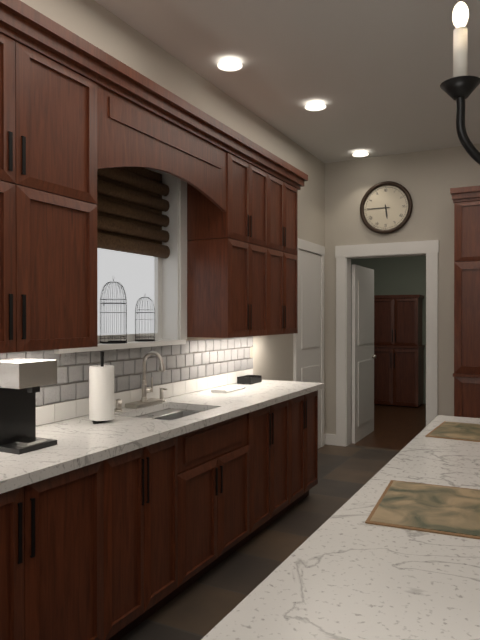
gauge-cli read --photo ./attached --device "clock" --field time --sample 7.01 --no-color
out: 5.45
